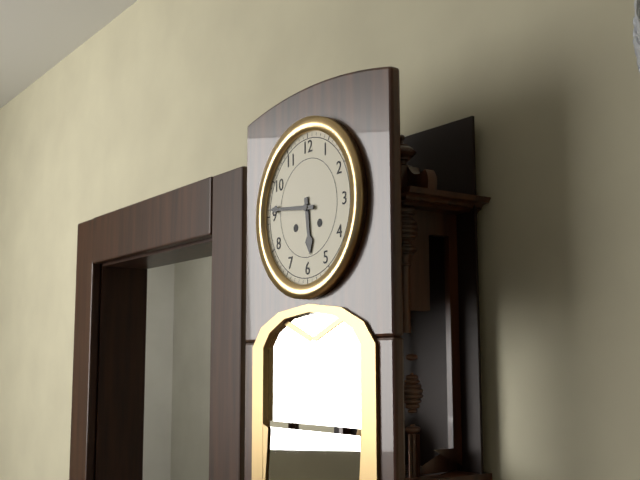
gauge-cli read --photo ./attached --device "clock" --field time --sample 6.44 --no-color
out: 5.46
